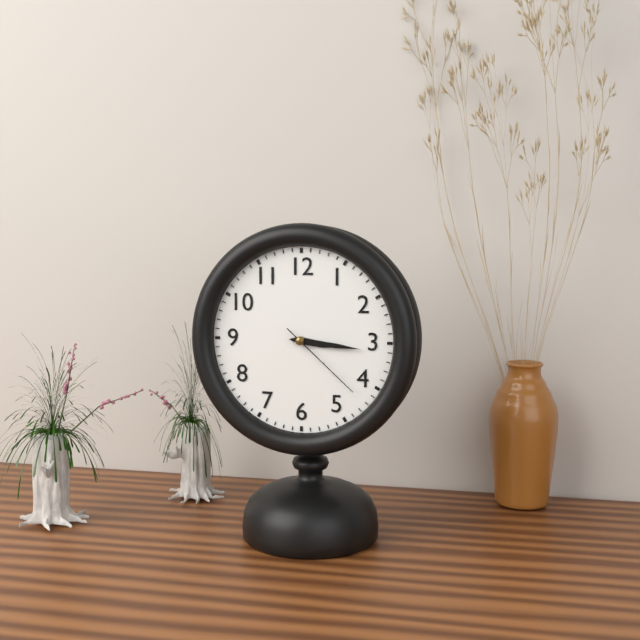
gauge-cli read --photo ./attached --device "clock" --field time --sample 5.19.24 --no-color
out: 3.16.22
